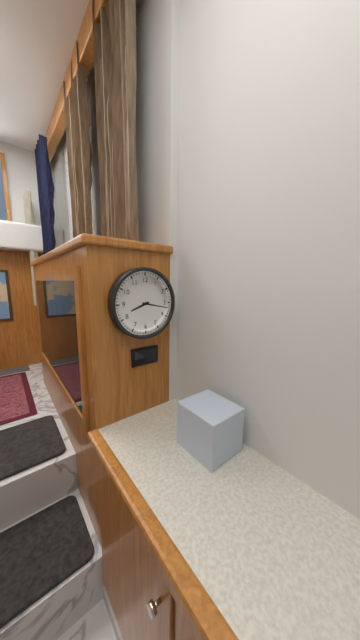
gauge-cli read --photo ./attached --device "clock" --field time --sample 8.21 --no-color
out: 8.17
